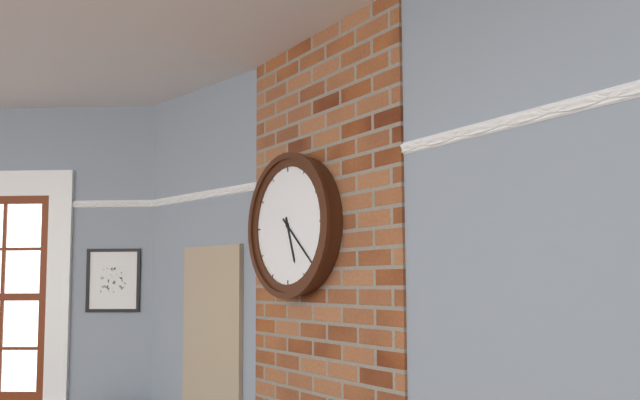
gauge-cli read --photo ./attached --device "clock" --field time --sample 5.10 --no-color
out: 5.22
